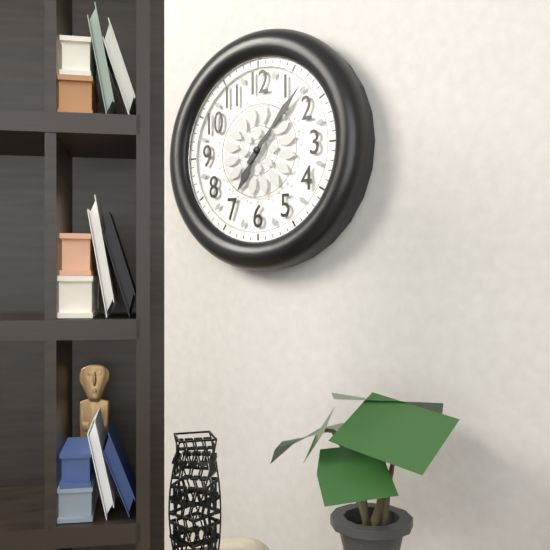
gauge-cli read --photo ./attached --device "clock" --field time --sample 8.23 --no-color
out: 7.07
